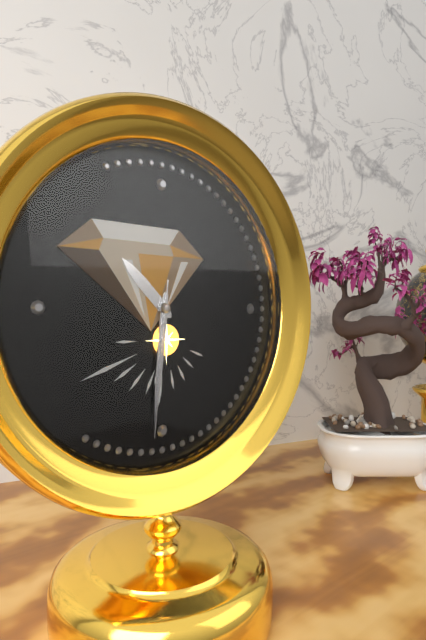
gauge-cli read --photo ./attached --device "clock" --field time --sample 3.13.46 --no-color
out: 10.31.31
